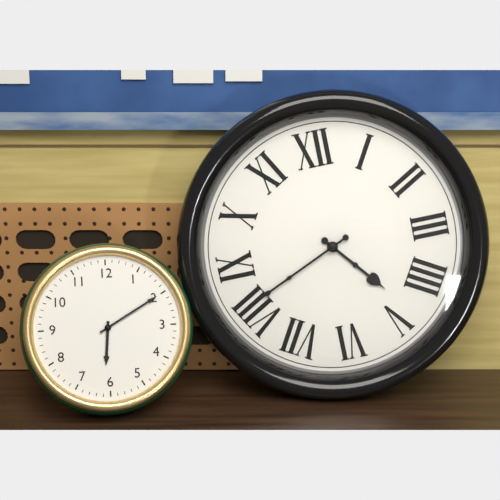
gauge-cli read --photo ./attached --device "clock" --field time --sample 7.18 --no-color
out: 4.41
